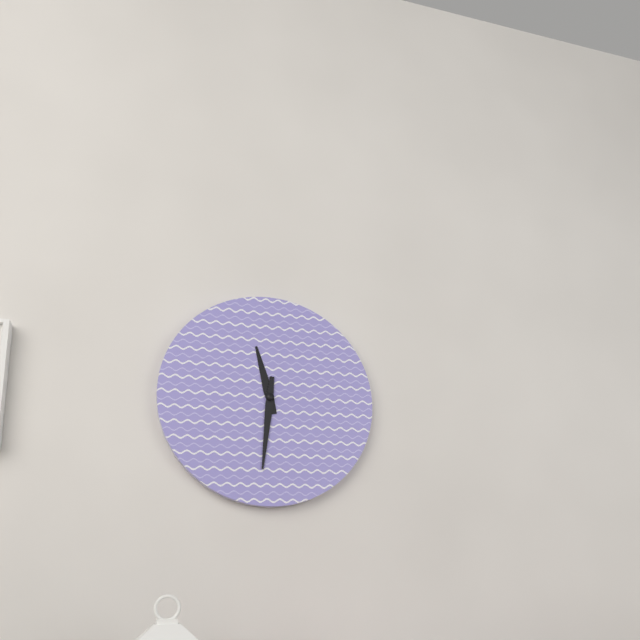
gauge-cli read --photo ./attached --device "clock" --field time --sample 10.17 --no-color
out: 11.31
